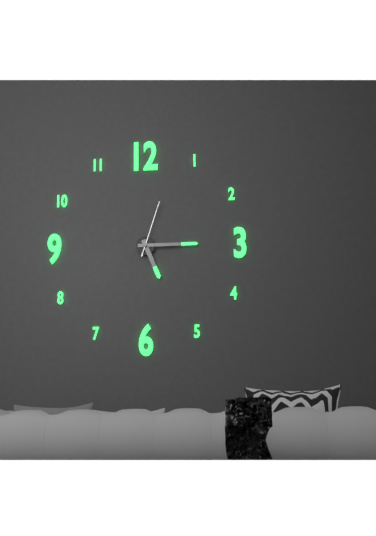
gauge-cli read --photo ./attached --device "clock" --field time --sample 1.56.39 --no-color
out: 5.15.03
